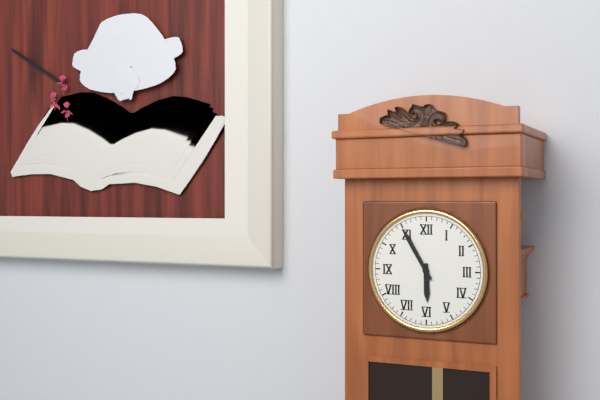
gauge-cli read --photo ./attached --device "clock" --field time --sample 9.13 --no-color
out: 5.55
